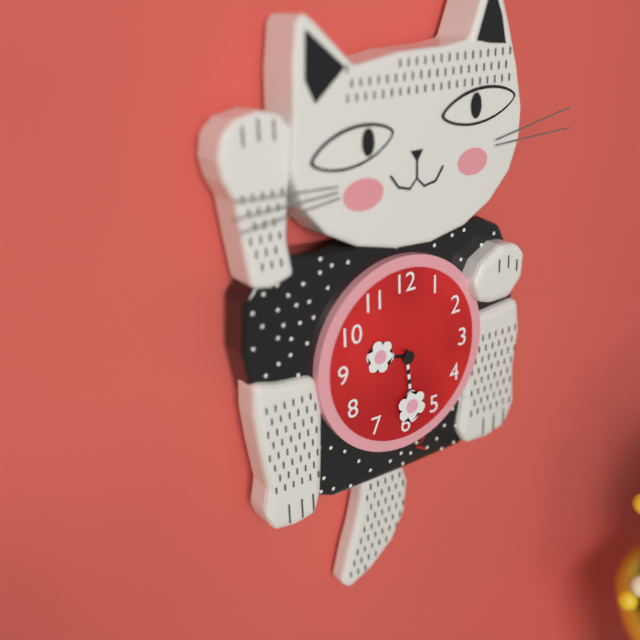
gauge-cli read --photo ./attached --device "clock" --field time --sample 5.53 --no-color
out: 9.29
